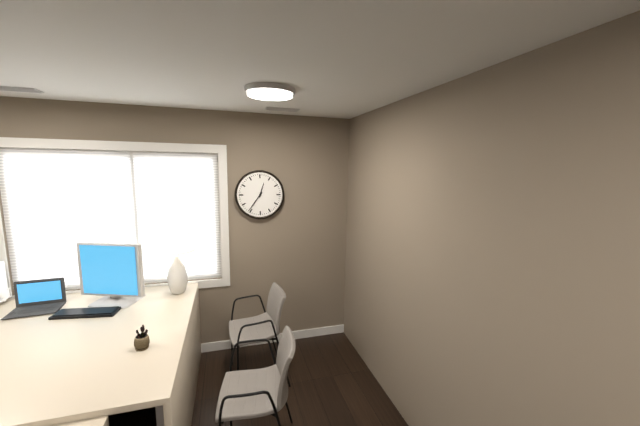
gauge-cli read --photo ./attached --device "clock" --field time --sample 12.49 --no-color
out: 12.36
